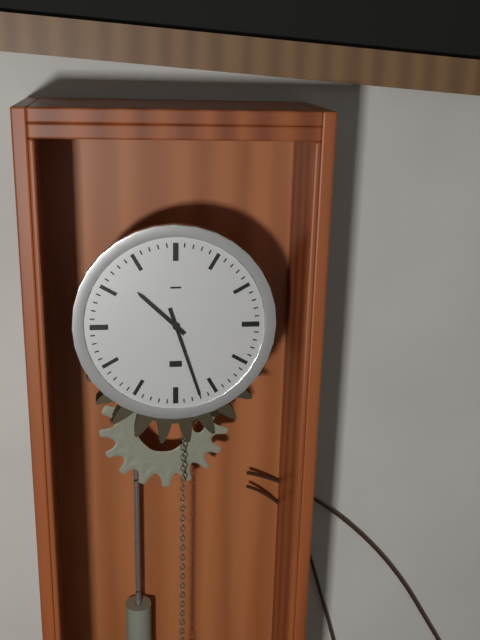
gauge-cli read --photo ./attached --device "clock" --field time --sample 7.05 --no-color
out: 10.27
